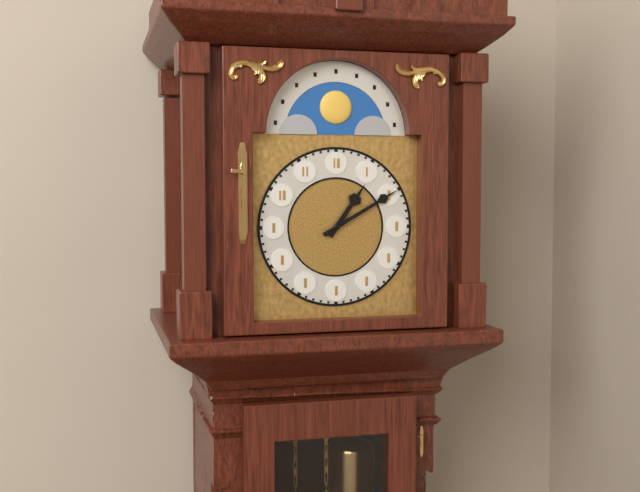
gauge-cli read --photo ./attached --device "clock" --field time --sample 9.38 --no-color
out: 1.10
